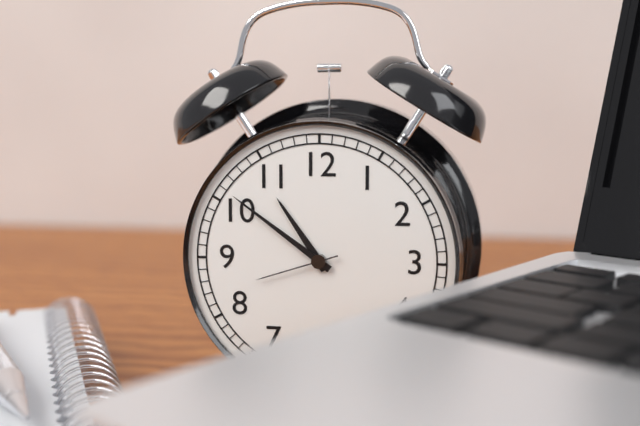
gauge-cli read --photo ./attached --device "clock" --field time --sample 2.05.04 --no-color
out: 10.51.42
